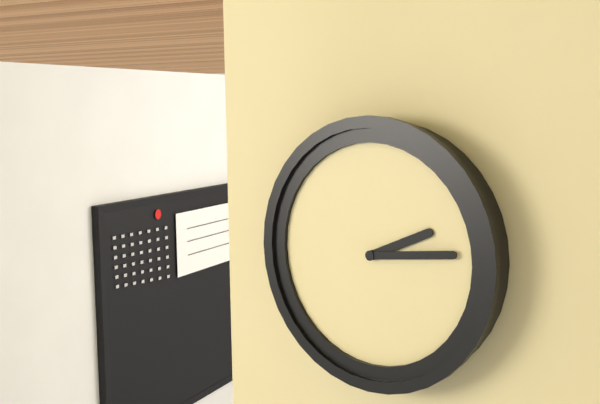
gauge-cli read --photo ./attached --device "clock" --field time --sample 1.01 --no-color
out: 2.14
